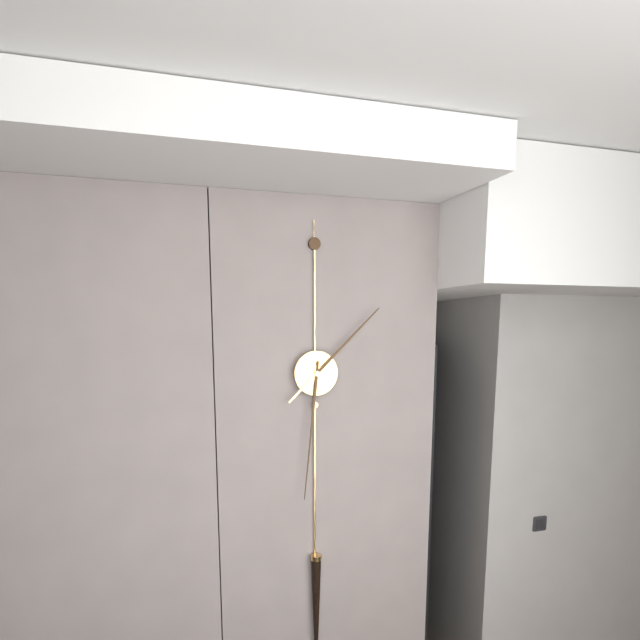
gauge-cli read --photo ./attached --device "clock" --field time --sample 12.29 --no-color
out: 1.31
